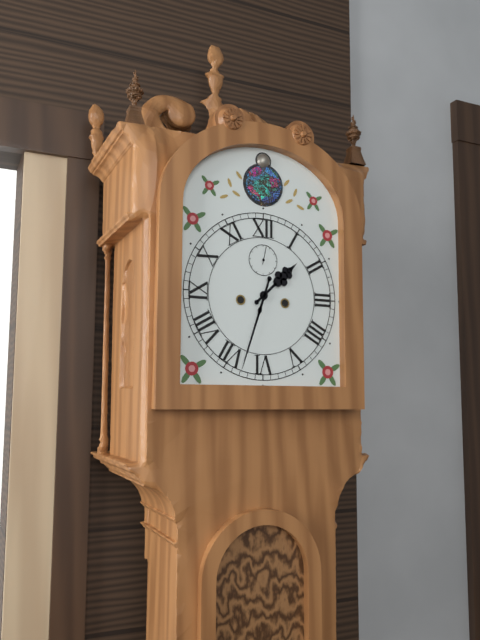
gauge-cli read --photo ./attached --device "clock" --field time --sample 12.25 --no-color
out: 1.33
